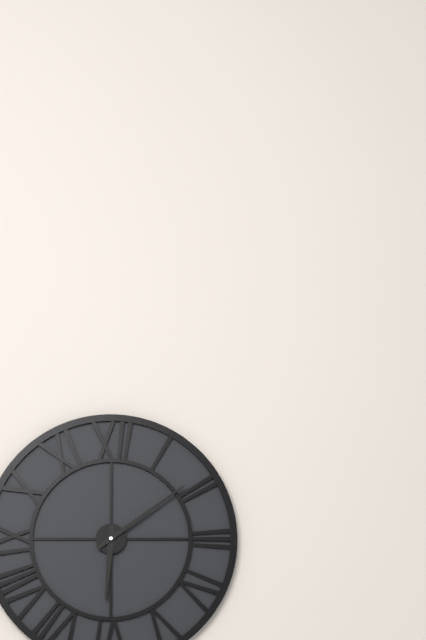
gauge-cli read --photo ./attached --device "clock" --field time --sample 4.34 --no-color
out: 6.09
